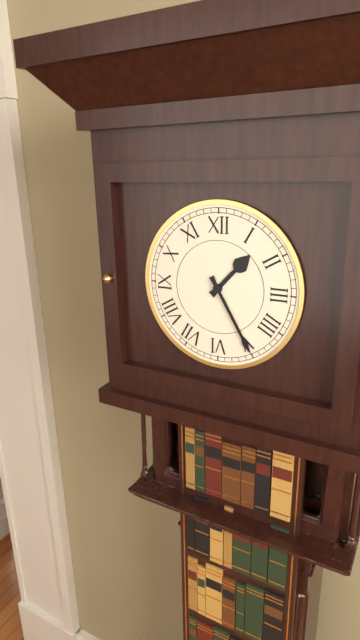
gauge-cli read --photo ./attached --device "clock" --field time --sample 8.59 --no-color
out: 1.25
